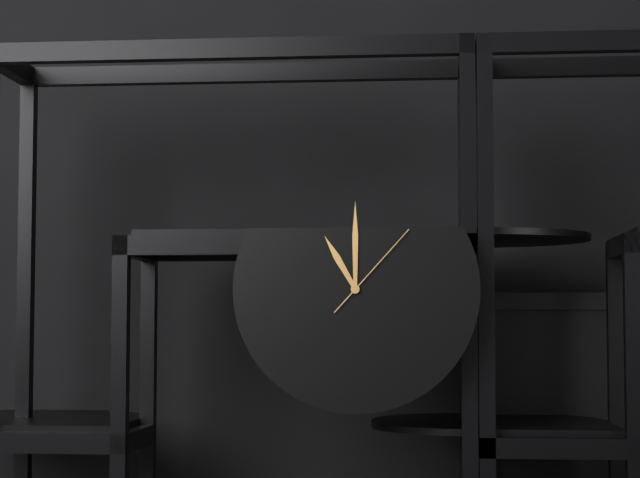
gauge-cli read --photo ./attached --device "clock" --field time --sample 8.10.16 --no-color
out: 11.00.07
